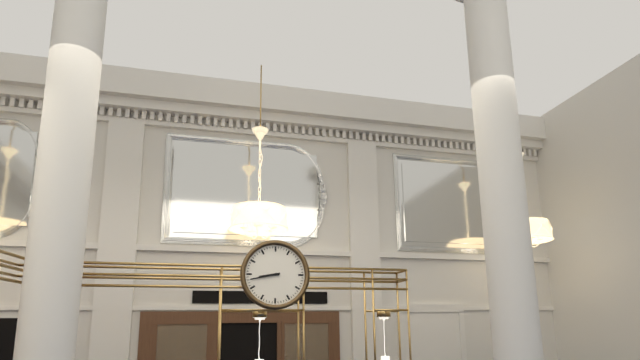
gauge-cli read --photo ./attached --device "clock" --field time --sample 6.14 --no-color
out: 8.43
